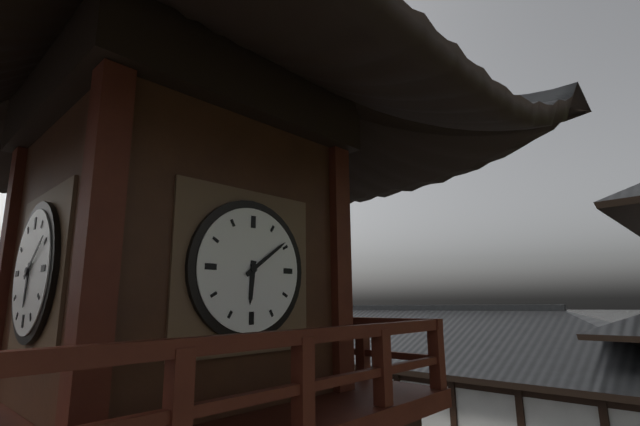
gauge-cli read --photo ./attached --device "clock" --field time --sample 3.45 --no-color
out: 6.09
